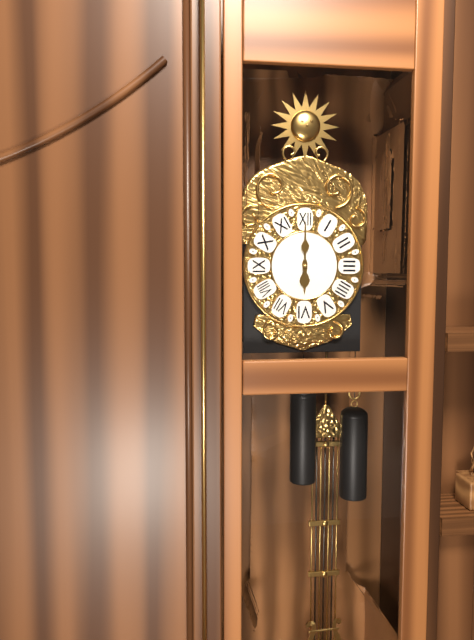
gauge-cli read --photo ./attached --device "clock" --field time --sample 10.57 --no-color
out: 6.00
